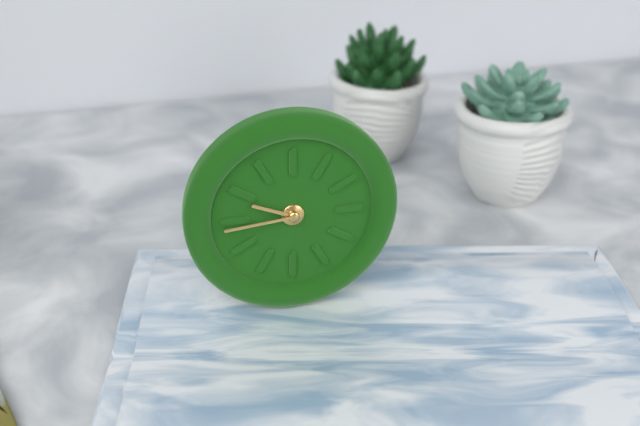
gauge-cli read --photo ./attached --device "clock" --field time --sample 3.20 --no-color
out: 9.44
